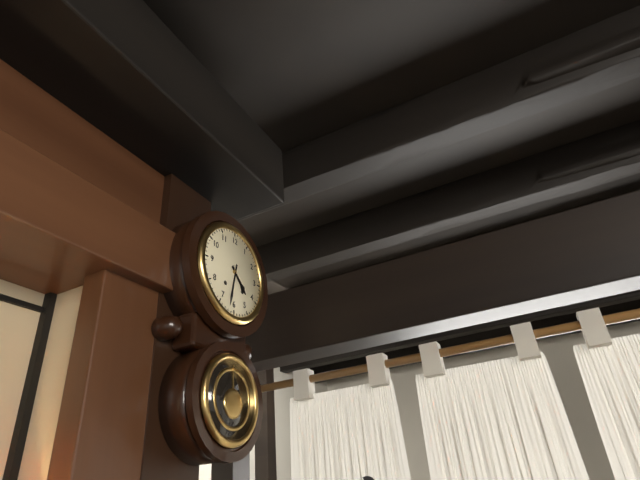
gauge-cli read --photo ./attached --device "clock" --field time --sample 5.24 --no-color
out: 4.32
